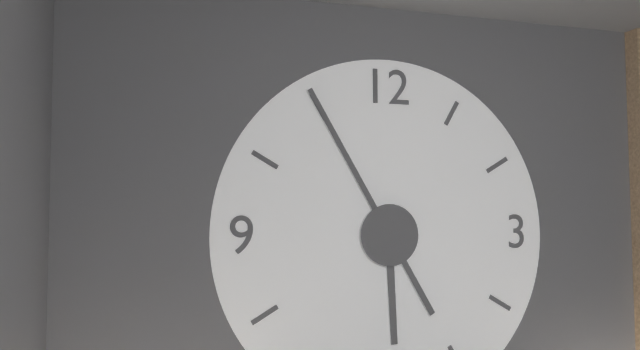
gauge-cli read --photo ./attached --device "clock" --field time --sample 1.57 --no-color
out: 5.55
